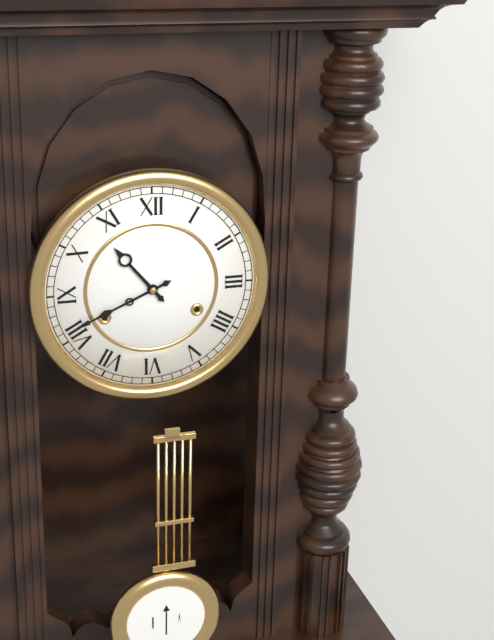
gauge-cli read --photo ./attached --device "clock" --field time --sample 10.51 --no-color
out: 10.41
